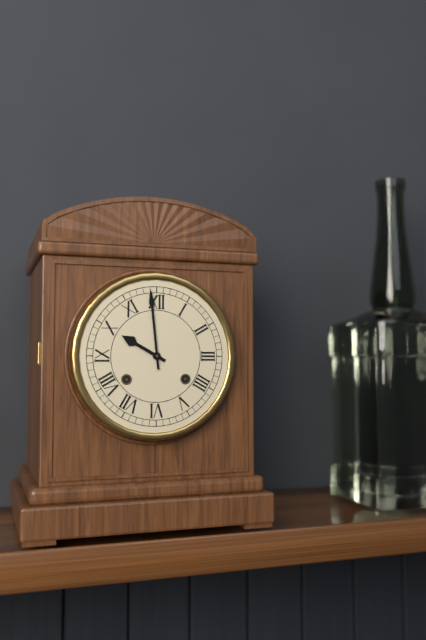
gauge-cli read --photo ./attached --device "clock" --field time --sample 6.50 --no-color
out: 9.59
